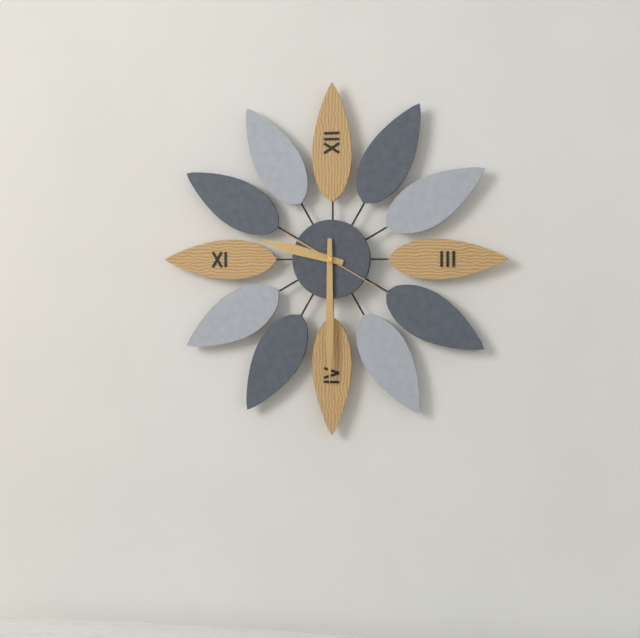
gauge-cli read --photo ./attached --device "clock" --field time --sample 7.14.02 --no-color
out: 9.30.20
